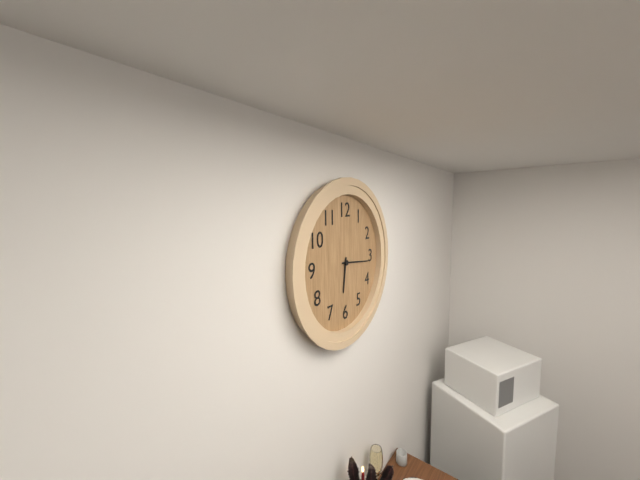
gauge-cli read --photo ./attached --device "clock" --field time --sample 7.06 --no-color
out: 6.16
